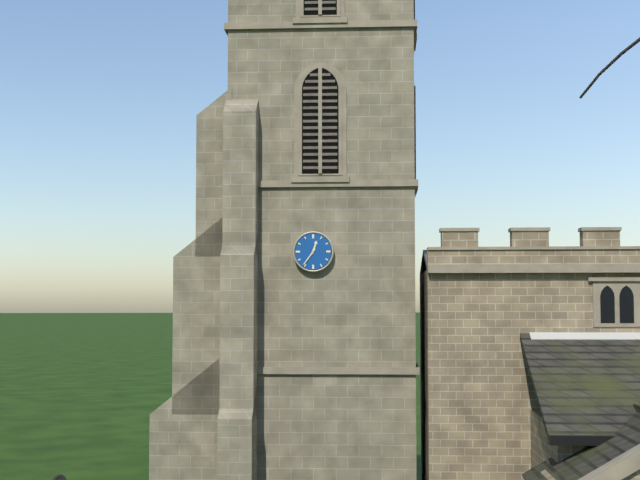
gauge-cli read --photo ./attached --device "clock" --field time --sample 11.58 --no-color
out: 12.36
